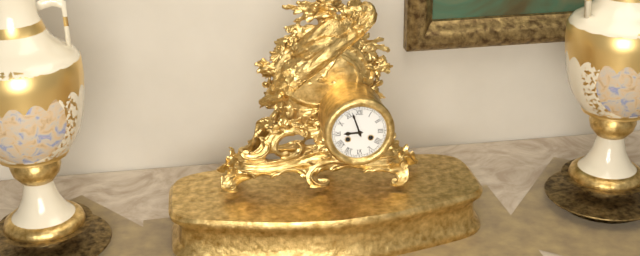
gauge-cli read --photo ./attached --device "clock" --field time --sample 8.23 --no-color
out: 8.57
